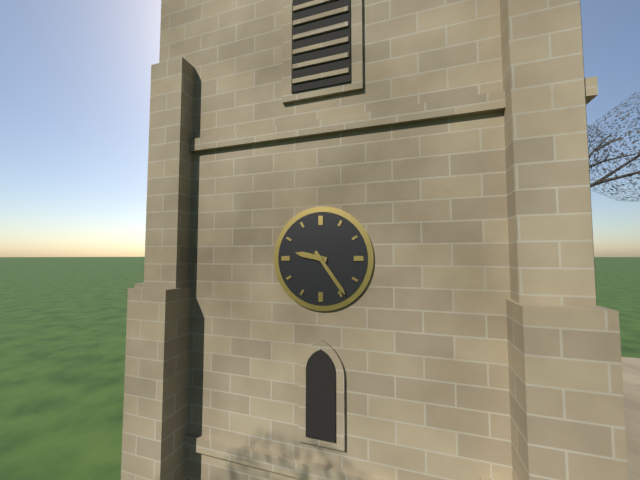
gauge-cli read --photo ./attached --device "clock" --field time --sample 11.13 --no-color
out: 9.24
